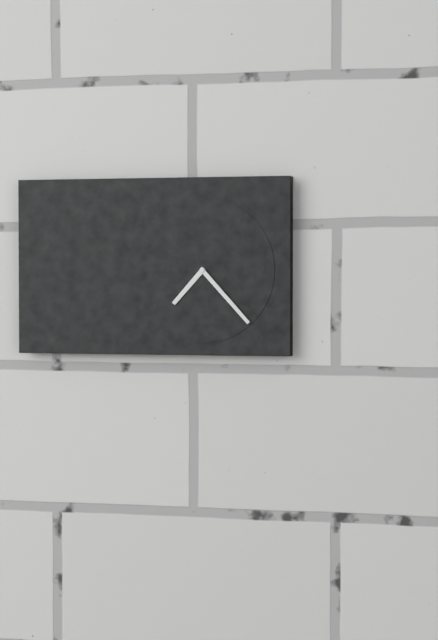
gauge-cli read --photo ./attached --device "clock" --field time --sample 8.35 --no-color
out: 7.23
